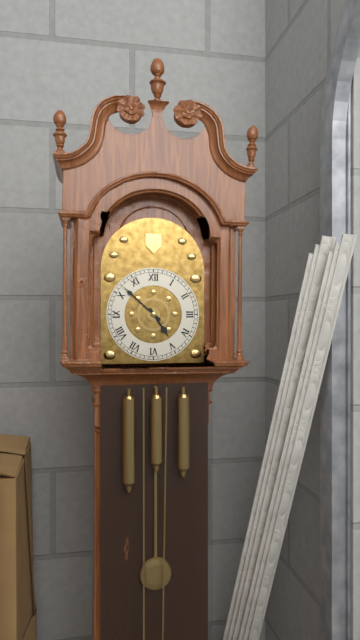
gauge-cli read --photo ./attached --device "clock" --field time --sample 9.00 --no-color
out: 4.52
